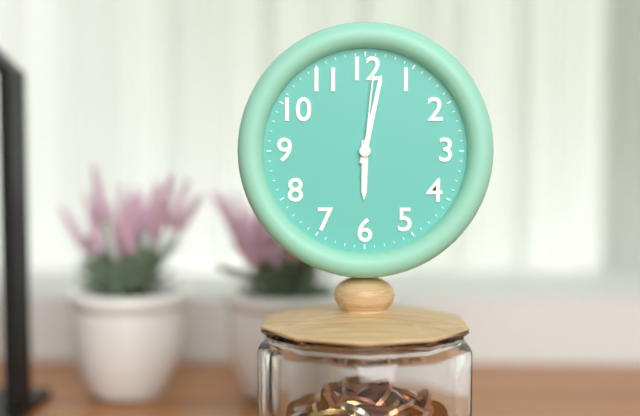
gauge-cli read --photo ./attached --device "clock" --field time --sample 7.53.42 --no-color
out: 6.02.01
